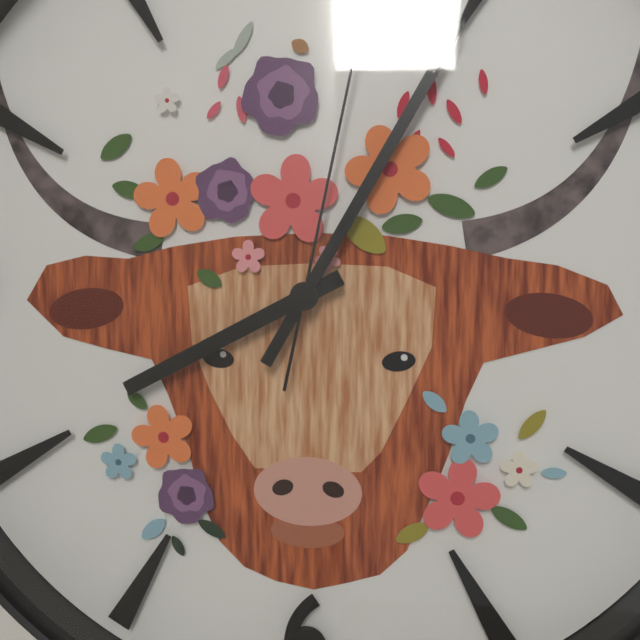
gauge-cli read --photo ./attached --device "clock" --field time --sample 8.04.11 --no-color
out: 8.05.02
